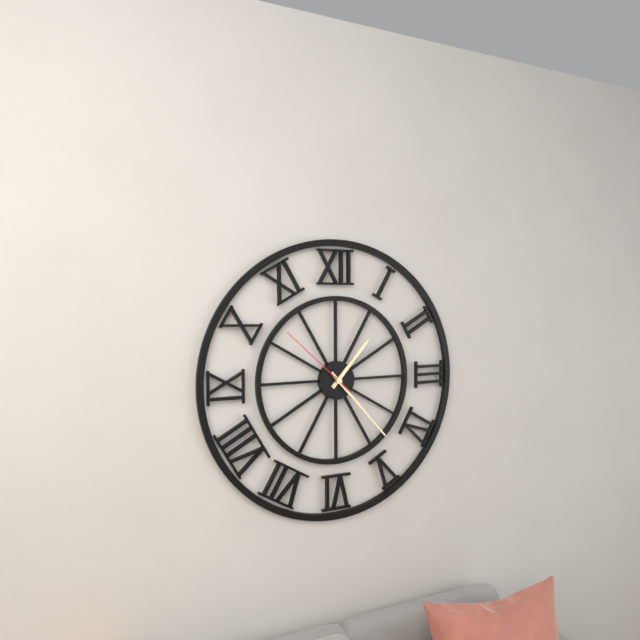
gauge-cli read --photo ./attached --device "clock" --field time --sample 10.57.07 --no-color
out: 1.23.52
